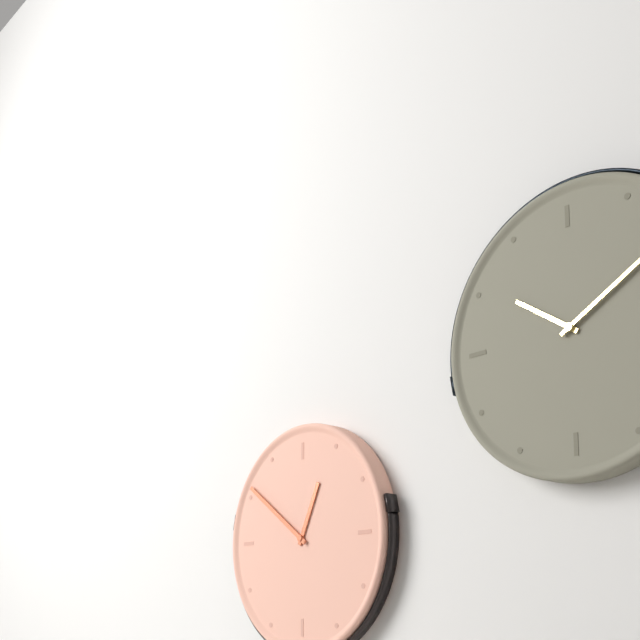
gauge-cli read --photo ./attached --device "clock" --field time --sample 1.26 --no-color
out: 12.51
